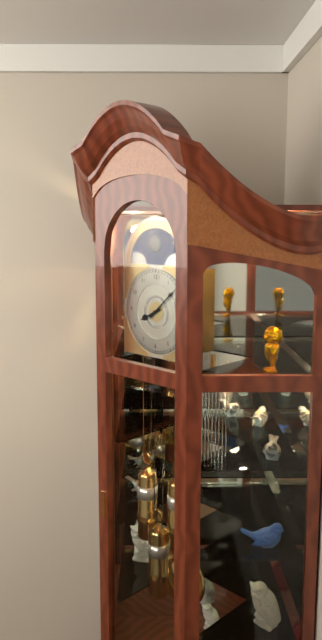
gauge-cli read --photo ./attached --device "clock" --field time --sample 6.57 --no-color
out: 8.08
